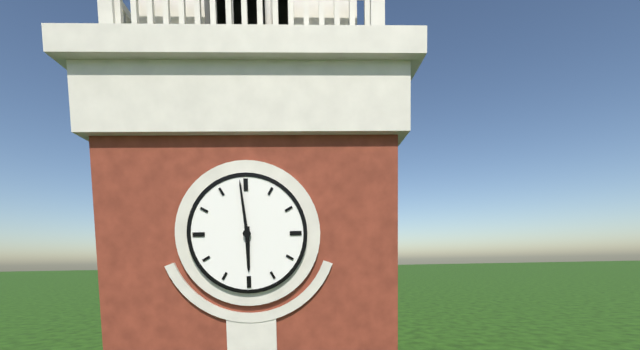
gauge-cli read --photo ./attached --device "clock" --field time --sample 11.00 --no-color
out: 5.59
